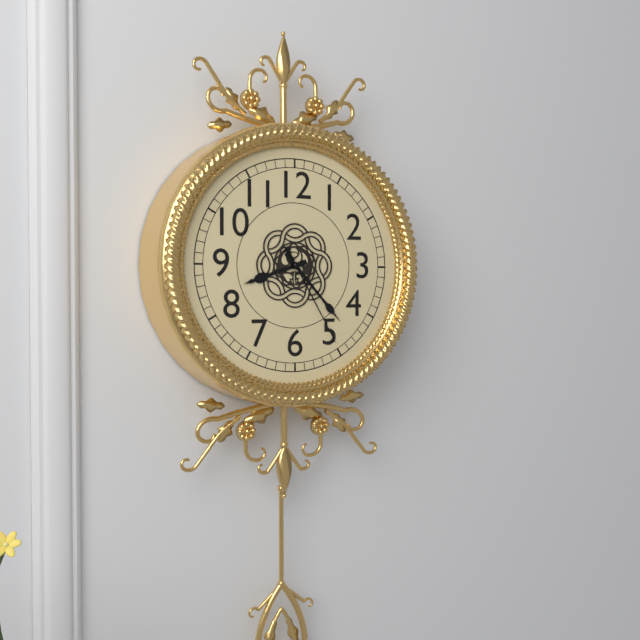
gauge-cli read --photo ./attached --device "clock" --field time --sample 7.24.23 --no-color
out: 8.23.25
